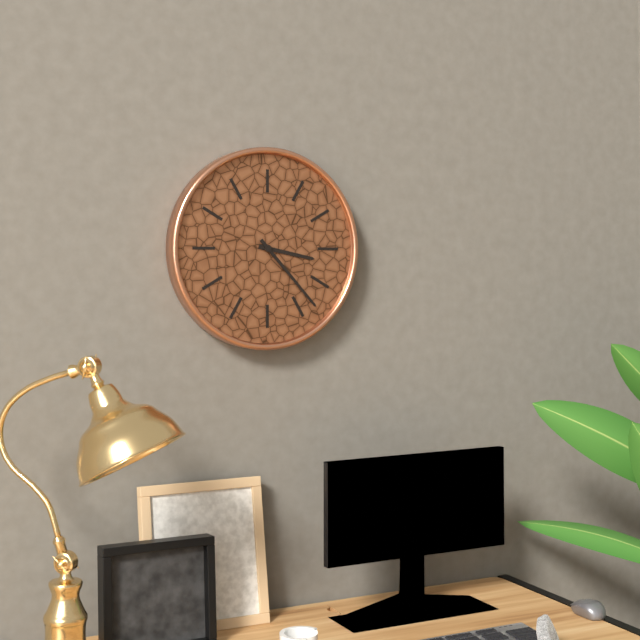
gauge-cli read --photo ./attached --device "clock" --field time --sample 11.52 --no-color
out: 3.23
